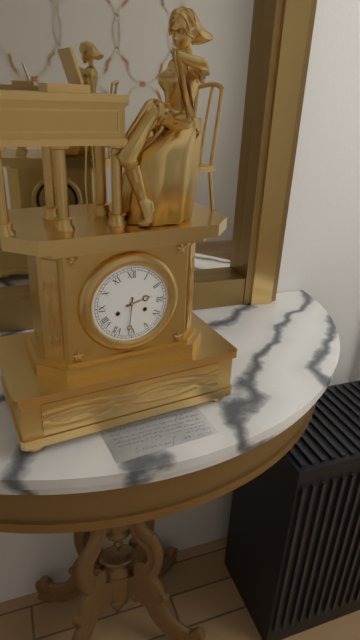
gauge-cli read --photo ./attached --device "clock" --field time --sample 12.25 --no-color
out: 2.31
